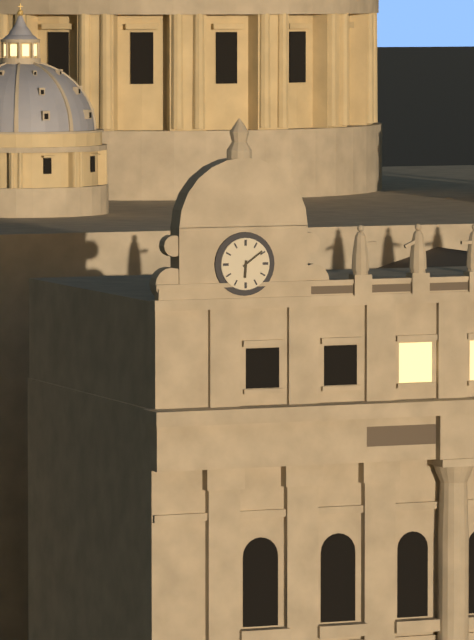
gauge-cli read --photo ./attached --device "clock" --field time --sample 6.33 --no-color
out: 6.09
